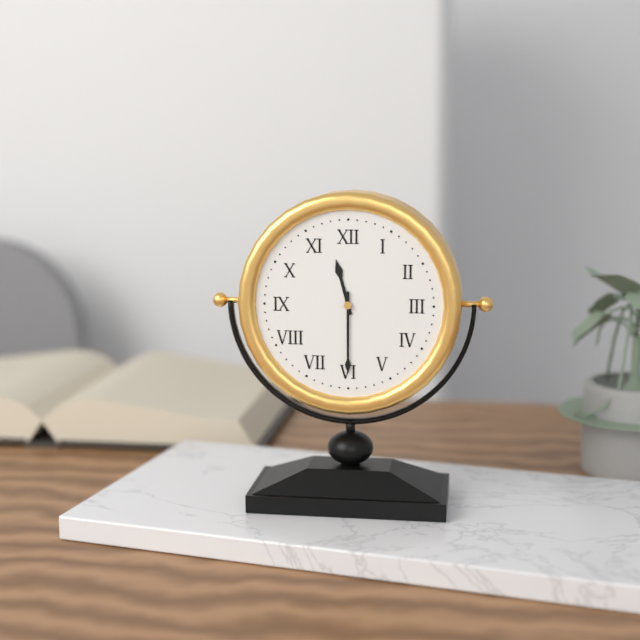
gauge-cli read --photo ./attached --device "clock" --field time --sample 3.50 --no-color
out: 11.30
